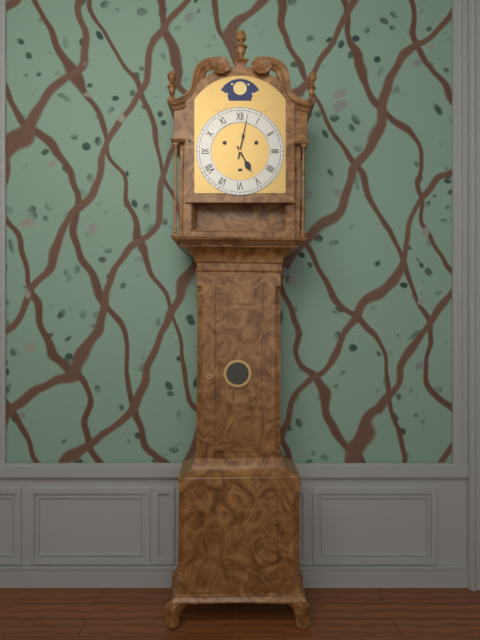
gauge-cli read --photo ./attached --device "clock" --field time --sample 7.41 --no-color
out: 5.02
